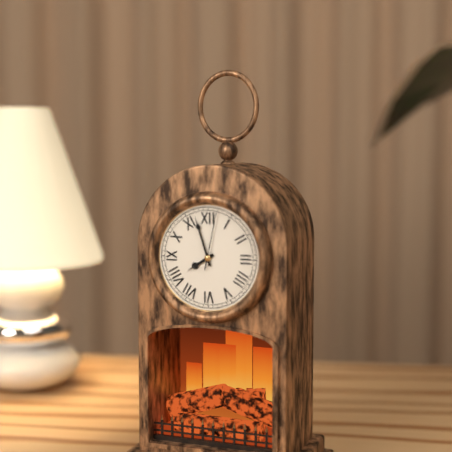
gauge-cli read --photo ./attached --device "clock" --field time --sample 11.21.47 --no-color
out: 7.57.02
